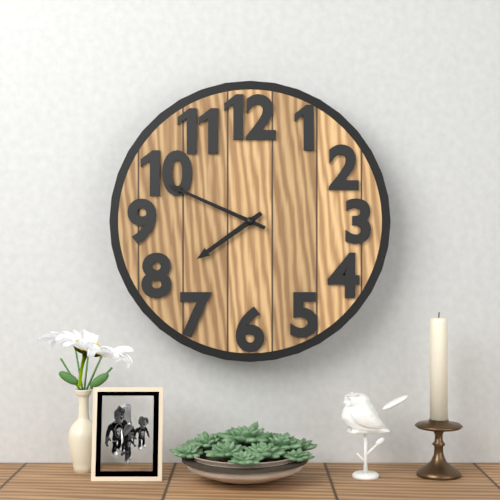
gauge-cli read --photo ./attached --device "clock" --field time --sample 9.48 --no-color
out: 7.49
